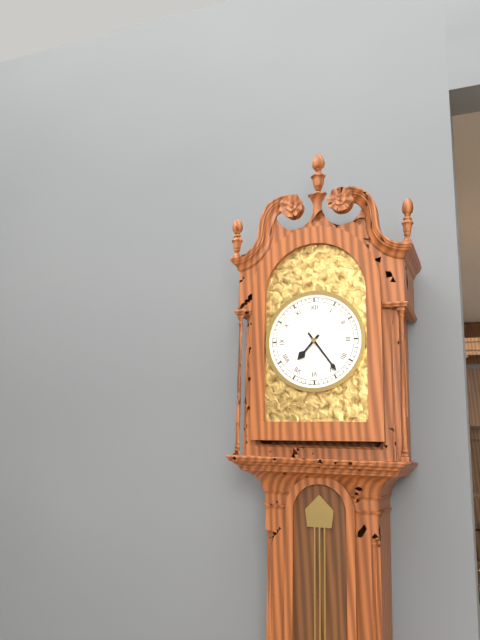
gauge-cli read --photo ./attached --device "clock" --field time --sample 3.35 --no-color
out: 7.24
